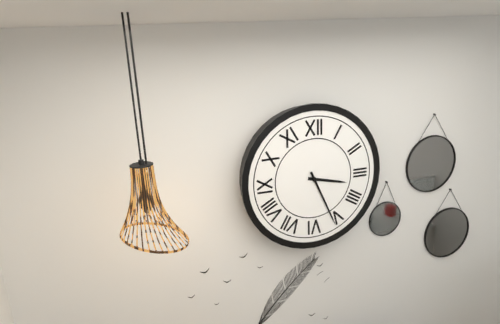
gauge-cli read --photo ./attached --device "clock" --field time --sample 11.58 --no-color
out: 3.26
